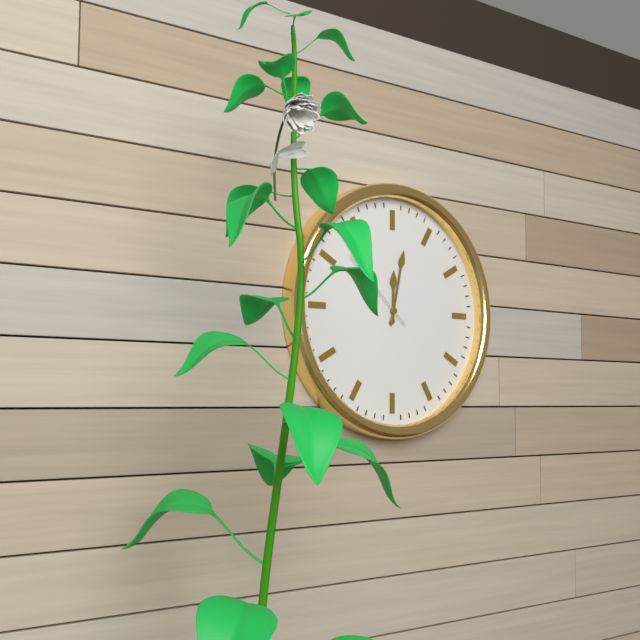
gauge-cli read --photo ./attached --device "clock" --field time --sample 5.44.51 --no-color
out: 12.02.52
